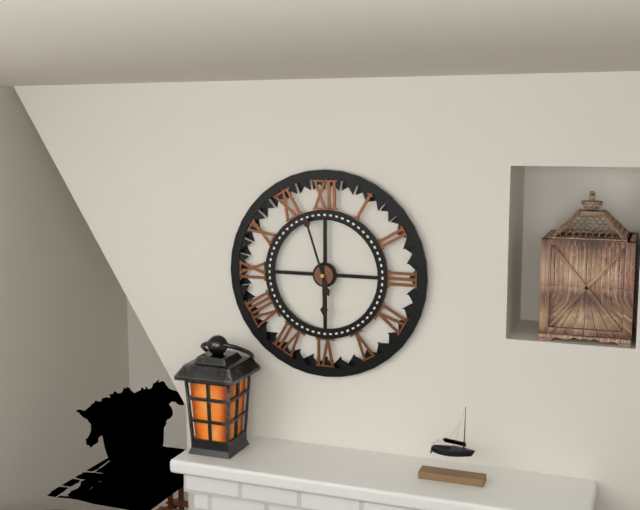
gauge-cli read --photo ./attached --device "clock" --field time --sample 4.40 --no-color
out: 5.57
